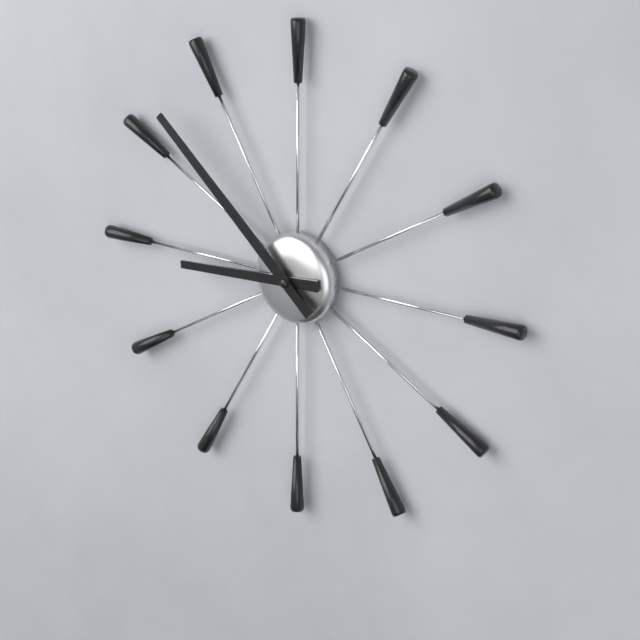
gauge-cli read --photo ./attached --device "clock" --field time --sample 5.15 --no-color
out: 8.52
